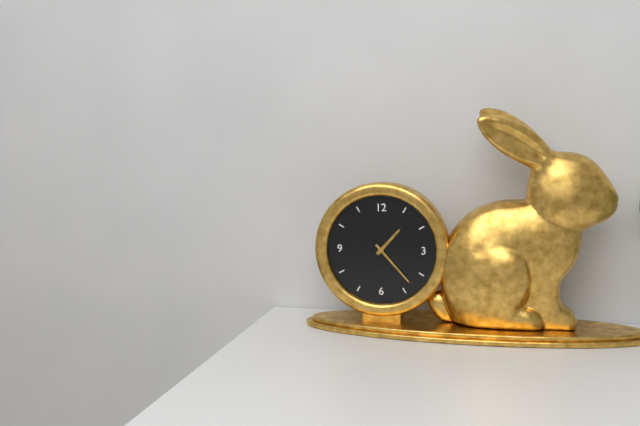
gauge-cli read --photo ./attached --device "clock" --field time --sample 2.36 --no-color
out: 1.23
